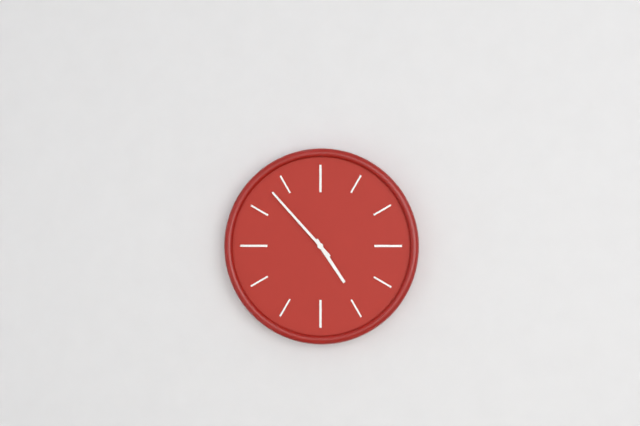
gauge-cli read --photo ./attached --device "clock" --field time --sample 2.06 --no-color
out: 4.53
